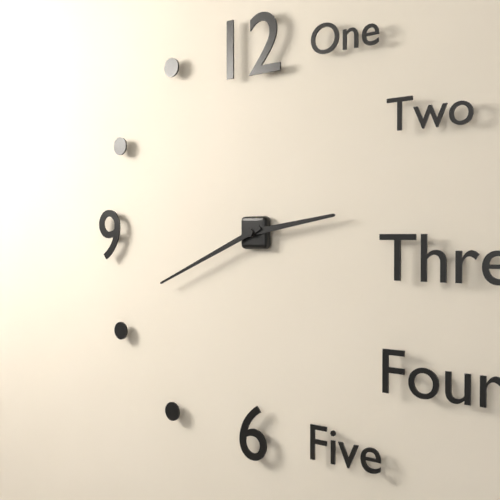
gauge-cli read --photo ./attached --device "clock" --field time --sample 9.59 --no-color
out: 2.41
